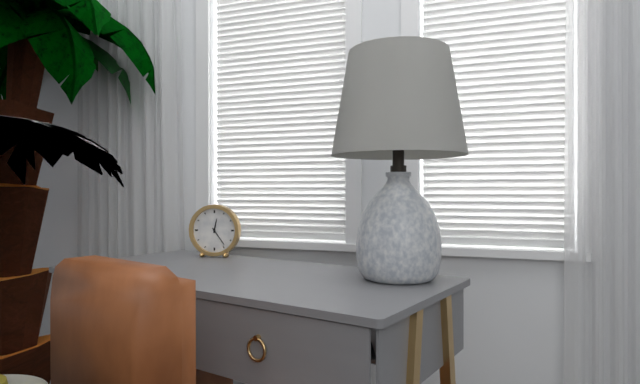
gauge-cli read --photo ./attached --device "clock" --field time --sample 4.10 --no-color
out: 12.24
